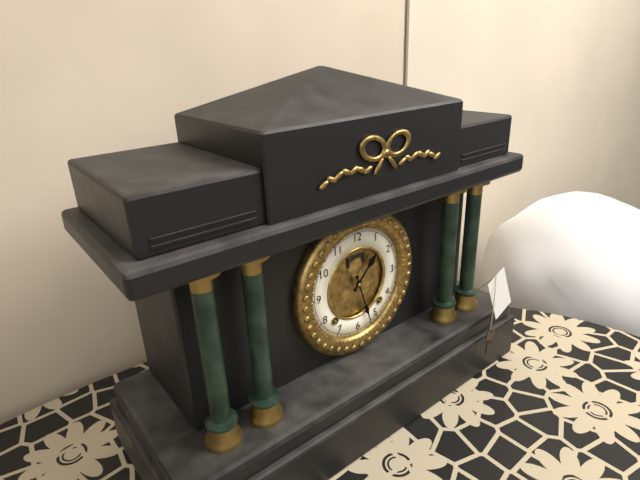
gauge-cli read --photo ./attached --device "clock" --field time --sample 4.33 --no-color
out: 1.27
